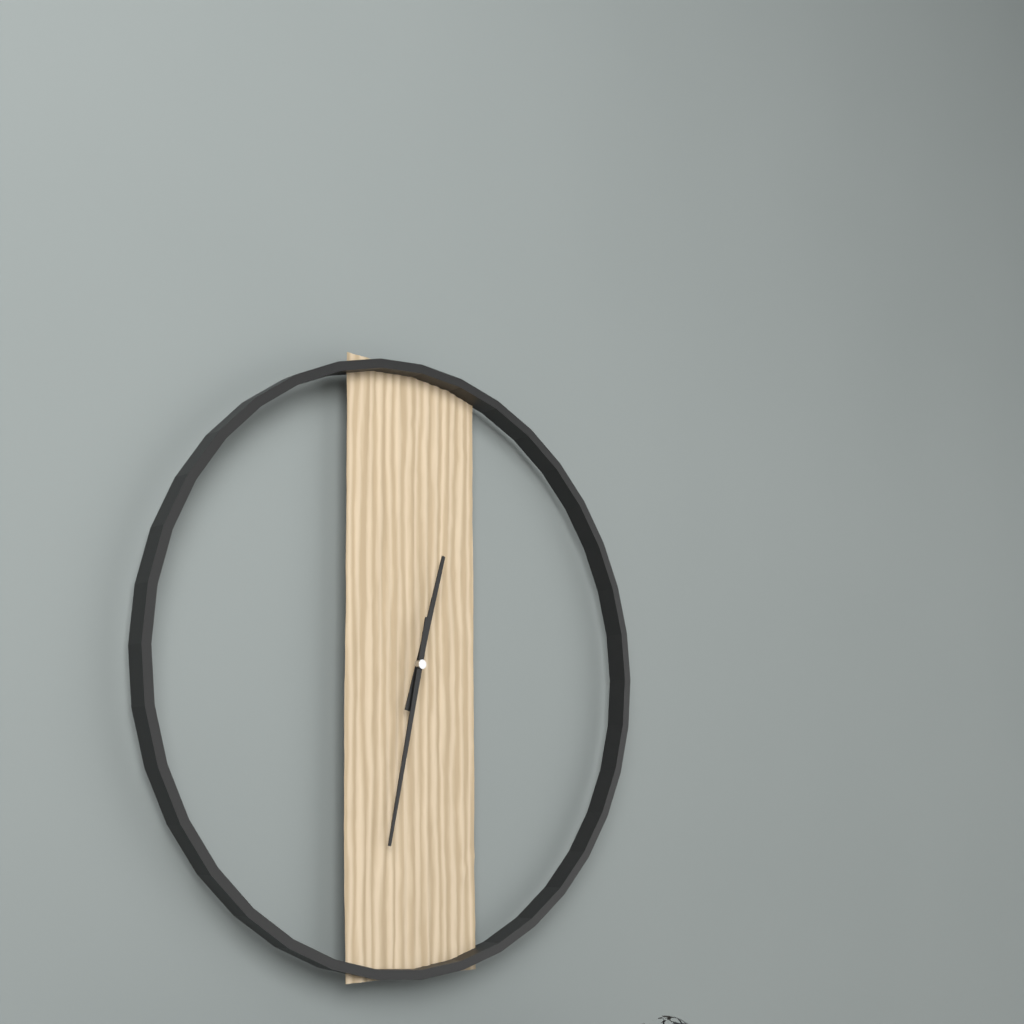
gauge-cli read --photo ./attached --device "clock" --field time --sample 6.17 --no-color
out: 12.32
